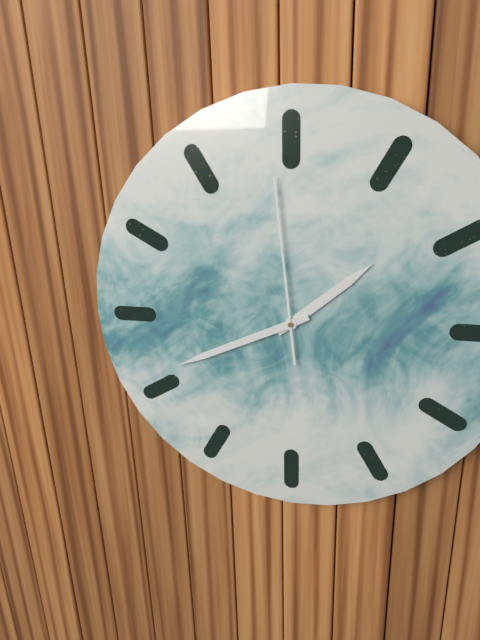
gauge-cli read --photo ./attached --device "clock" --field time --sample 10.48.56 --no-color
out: 1.41.59
